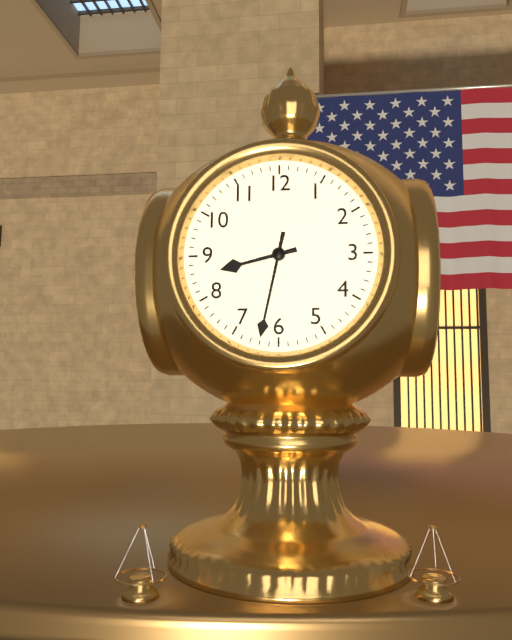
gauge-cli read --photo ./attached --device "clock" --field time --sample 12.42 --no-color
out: 8.32
